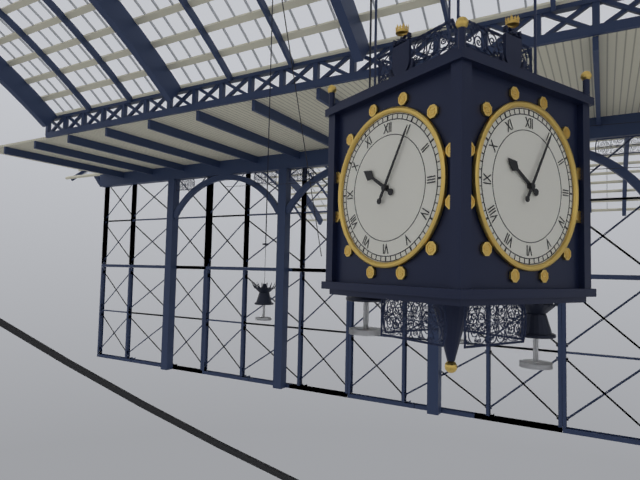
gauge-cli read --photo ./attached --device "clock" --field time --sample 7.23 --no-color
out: 10.05
